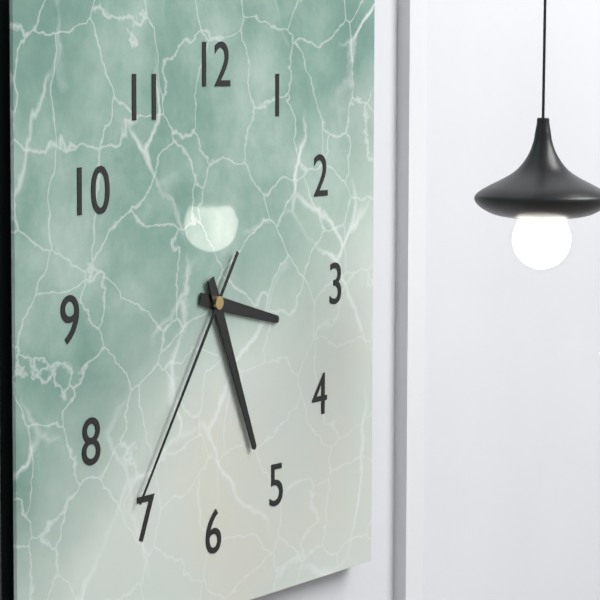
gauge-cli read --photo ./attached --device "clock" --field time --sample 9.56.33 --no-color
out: 3.26.36
